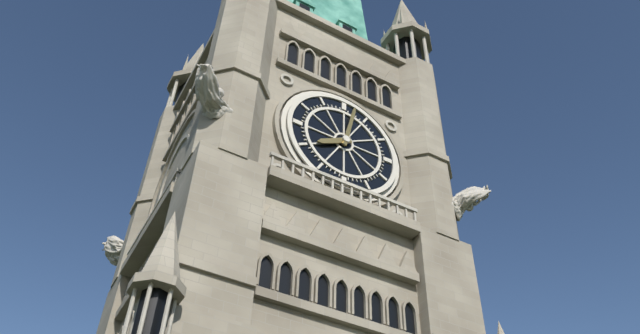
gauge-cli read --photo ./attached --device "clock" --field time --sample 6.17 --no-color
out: 8.02
